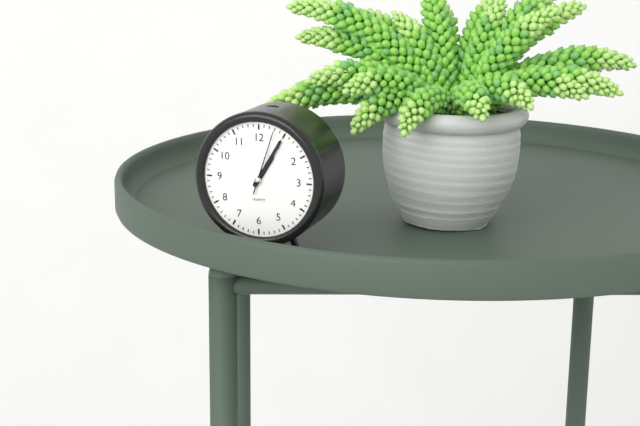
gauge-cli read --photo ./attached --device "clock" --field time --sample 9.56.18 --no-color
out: 1.05.03
